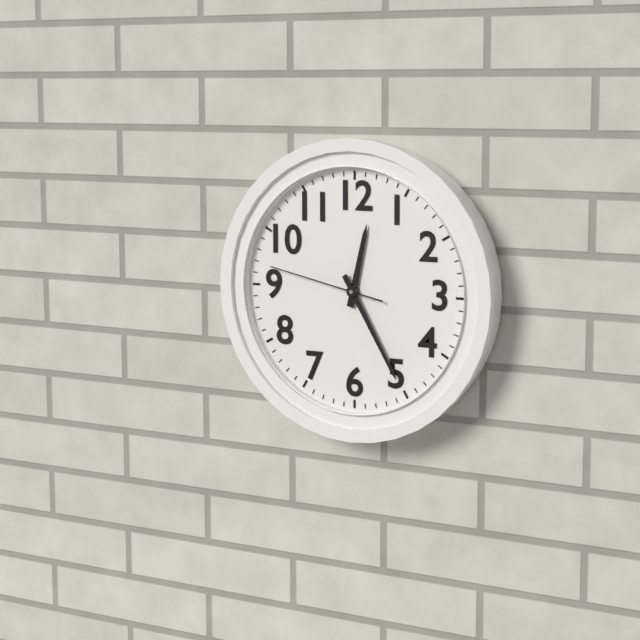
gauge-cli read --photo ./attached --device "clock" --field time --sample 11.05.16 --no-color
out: 12.25.47
